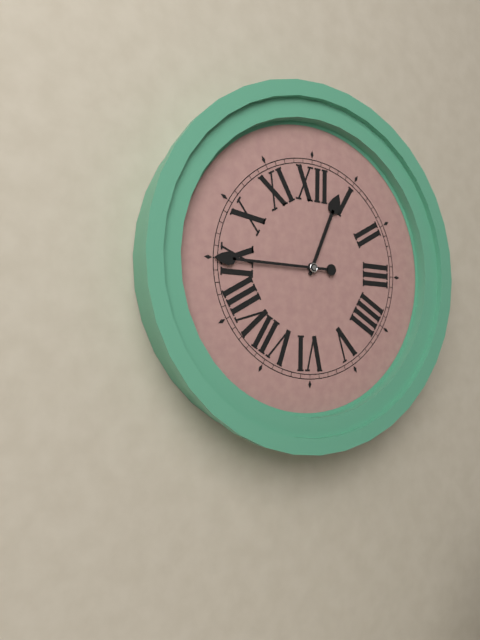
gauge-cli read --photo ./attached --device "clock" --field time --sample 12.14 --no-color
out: 12.45
